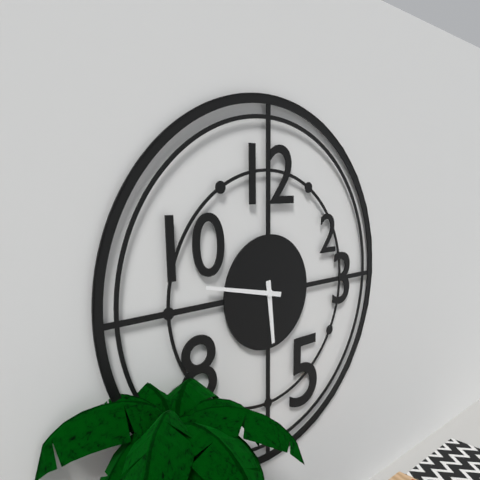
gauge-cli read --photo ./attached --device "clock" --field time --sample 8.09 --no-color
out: 5.47
